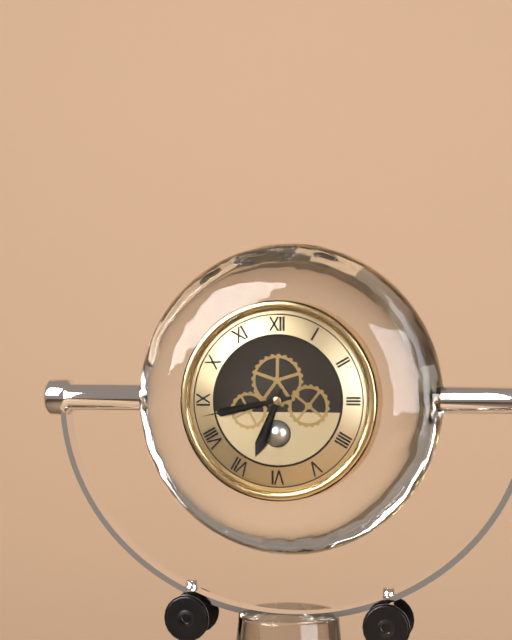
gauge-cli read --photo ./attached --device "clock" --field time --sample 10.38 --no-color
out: 6.43
